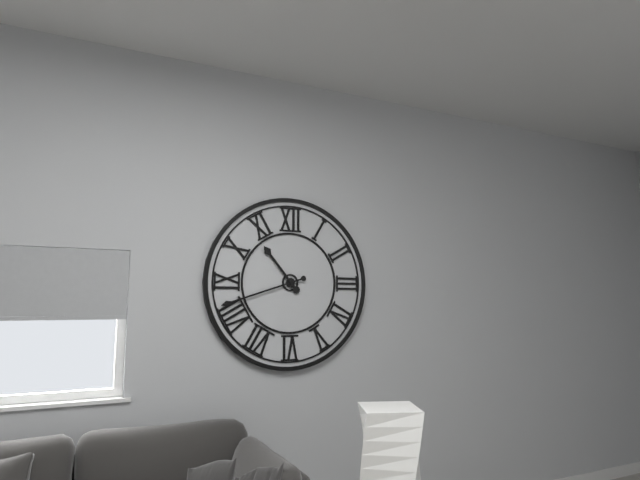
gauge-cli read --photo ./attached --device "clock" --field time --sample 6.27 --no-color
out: 10.42
